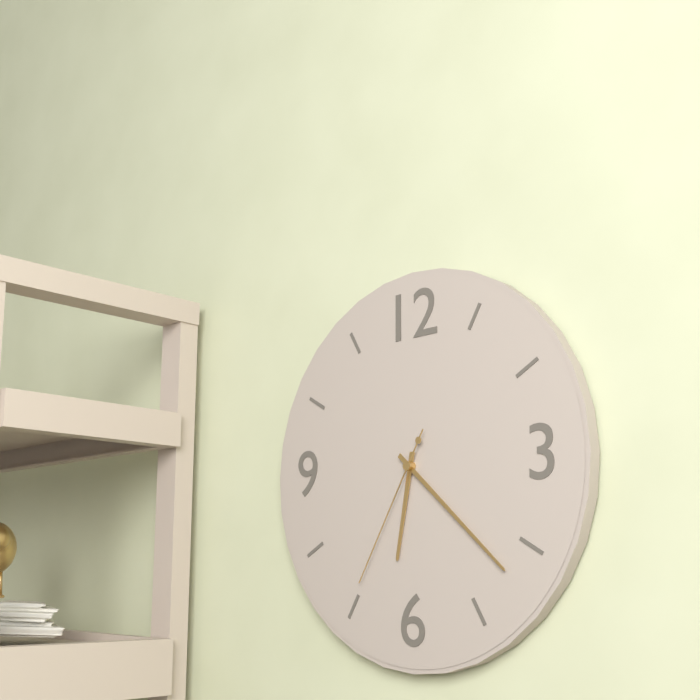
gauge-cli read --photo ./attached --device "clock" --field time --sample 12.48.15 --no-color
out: 6.22.35
